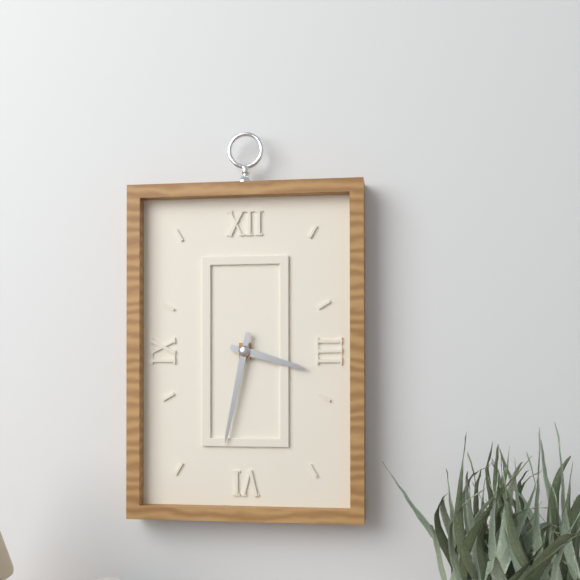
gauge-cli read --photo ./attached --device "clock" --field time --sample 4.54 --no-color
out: 3.32
